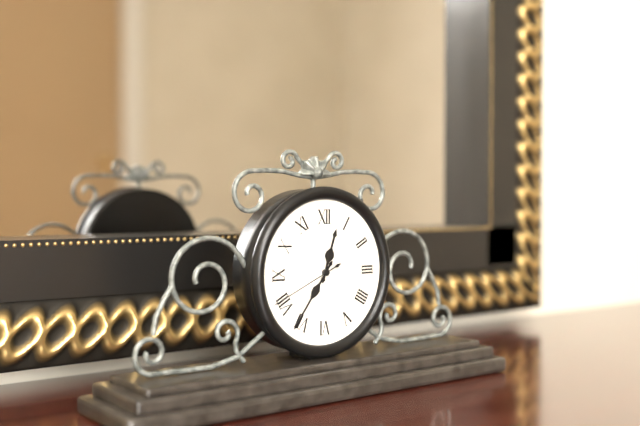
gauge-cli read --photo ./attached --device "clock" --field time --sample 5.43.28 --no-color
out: 12.36.41
